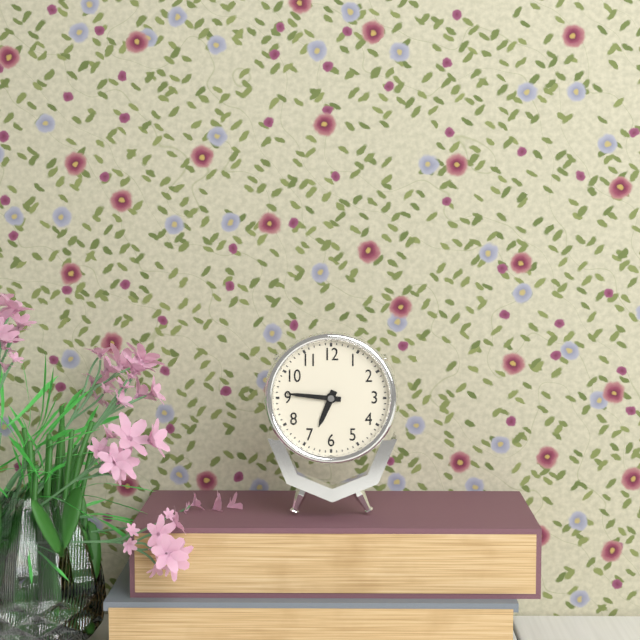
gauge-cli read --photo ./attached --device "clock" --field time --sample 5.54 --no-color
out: 6.46
